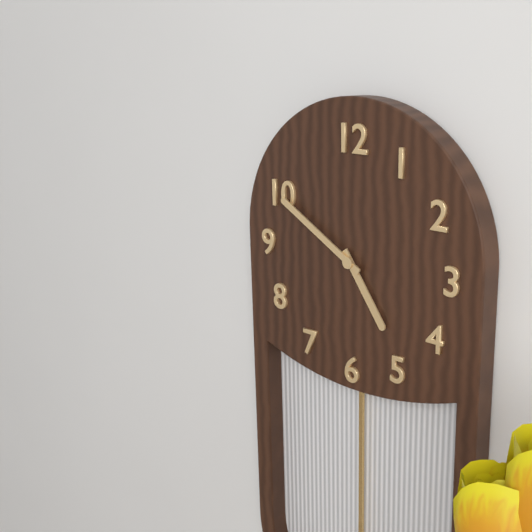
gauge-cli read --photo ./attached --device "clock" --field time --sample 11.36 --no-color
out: 4.50
